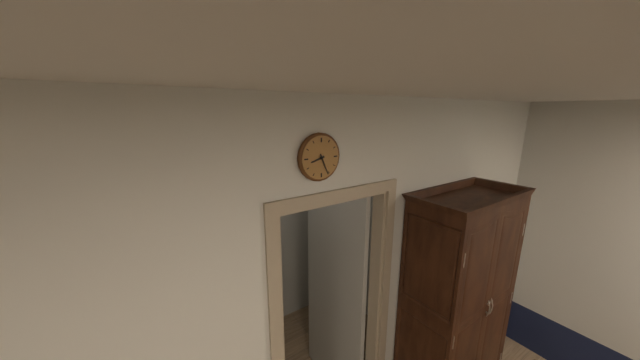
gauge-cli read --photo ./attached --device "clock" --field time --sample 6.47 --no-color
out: 8.26
